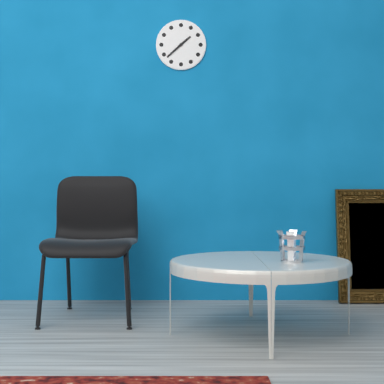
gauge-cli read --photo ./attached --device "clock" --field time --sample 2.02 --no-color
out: 1.38
